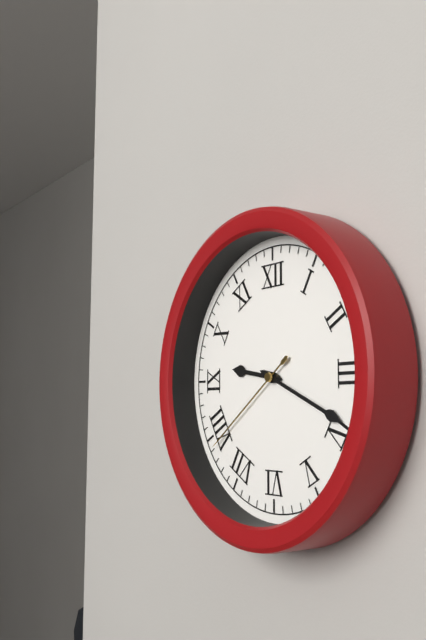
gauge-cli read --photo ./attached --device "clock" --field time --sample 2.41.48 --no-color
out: 9.19.39
